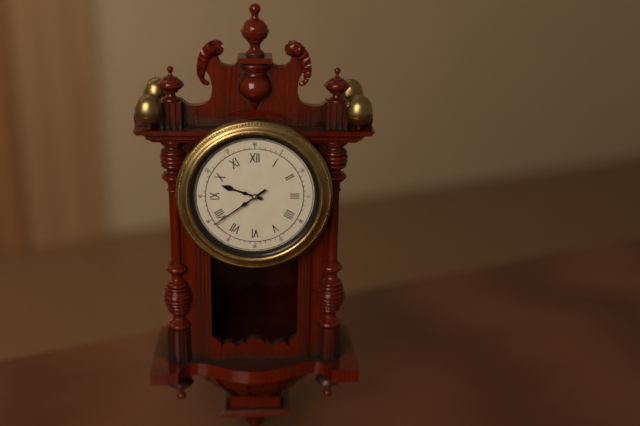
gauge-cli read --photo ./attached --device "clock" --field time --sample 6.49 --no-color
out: 9.39
